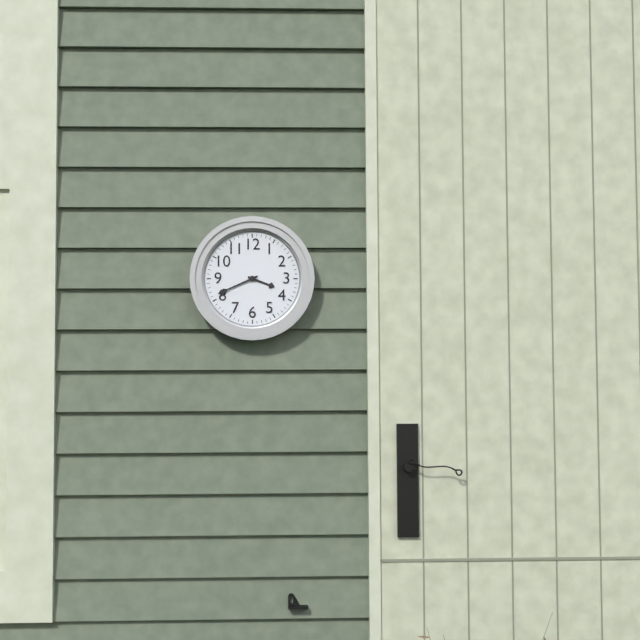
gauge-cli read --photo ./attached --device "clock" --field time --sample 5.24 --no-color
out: 3.41
